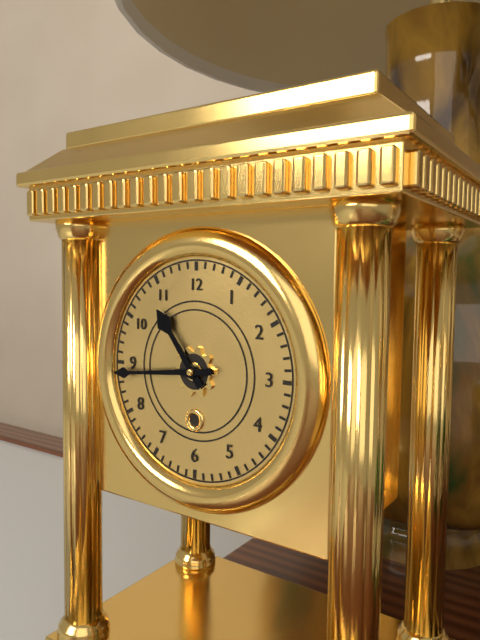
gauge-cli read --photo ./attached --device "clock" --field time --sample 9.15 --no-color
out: 10.44
